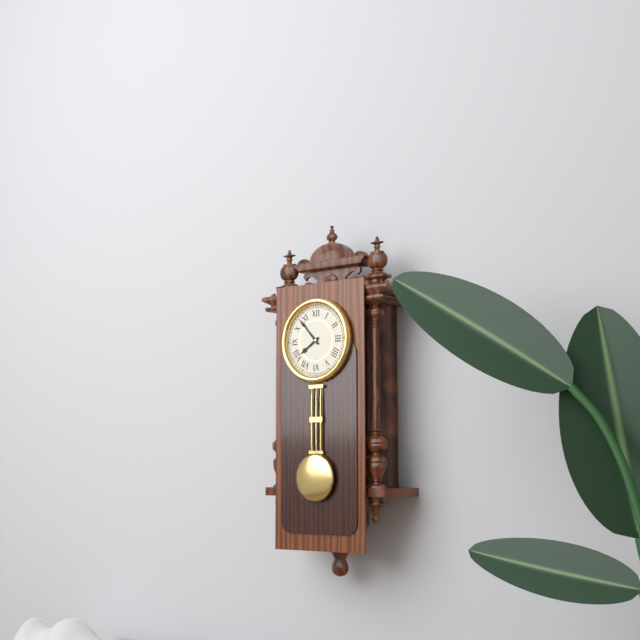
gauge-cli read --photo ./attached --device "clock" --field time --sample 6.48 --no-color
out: 7.53
